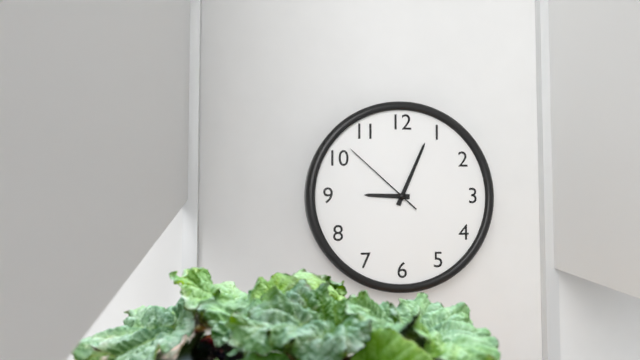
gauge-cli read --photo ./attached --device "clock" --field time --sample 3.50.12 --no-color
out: 9.04.52
